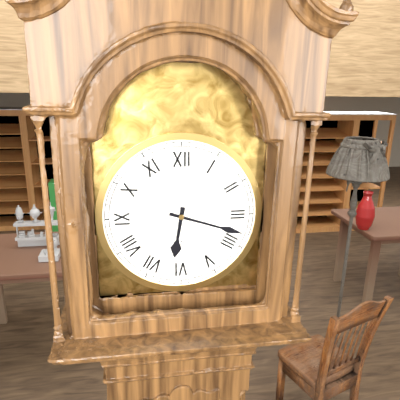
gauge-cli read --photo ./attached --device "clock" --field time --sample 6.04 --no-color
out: 6.18
